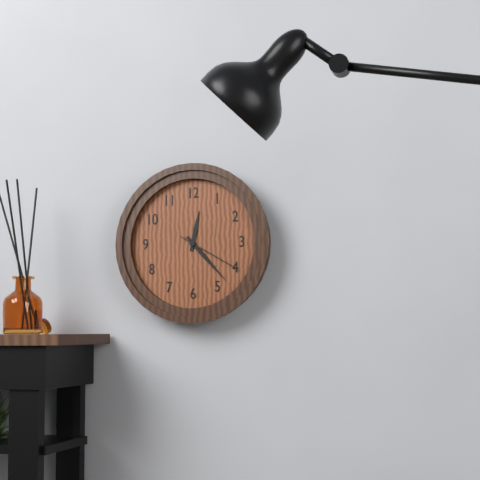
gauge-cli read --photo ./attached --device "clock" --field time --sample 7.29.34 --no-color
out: 12.23.20
